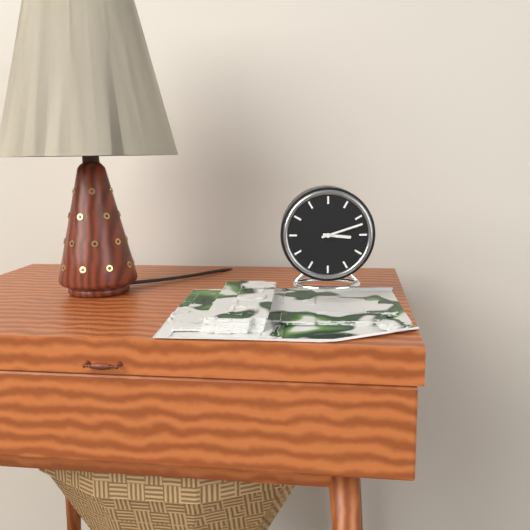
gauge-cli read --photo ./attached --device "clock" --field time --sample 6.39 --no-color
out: 3.12
